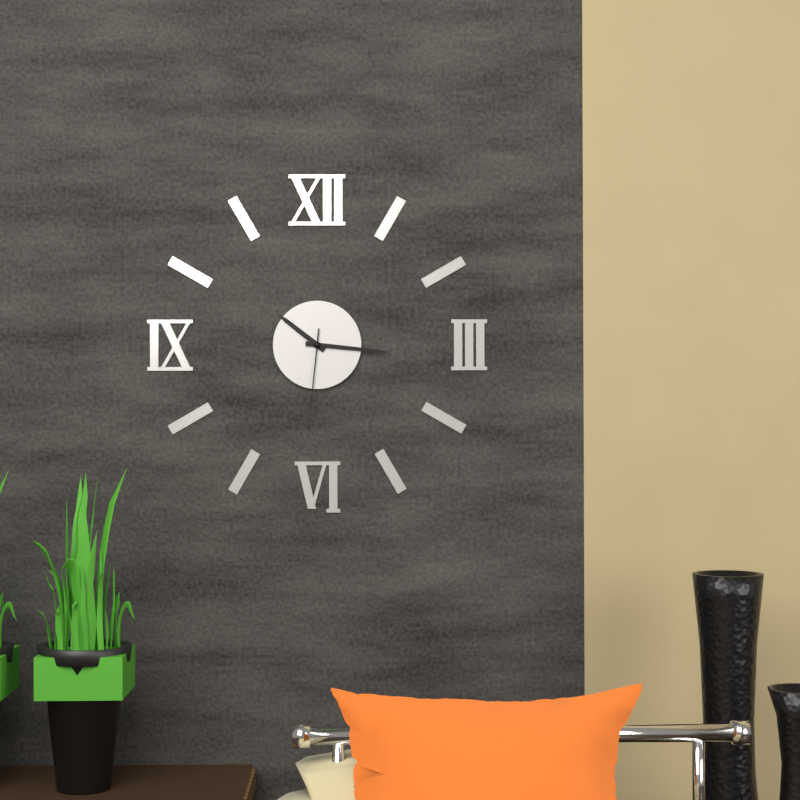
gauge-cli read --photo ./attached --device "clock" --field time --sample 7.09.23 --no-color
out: 10.16.31
